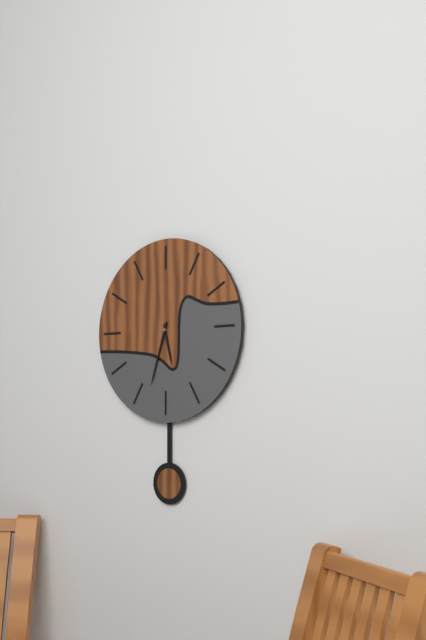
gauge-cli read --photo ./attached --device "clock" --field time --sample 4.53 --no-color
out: 5.33
